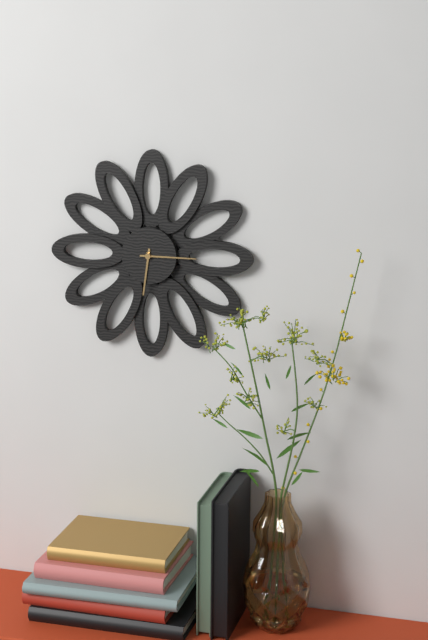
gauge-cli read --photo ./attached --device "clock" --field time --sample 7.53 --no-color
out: 6.15
